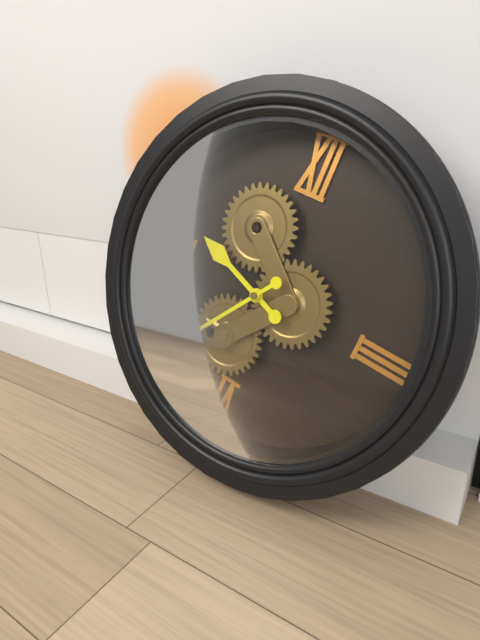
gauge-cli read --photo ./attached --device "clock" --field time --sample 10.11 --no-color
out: 9.36
